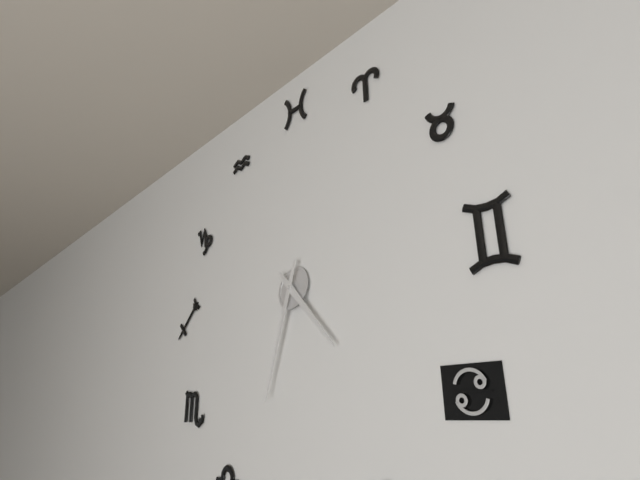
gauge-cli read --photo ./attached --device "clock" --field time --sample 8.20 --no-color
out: 4.33
